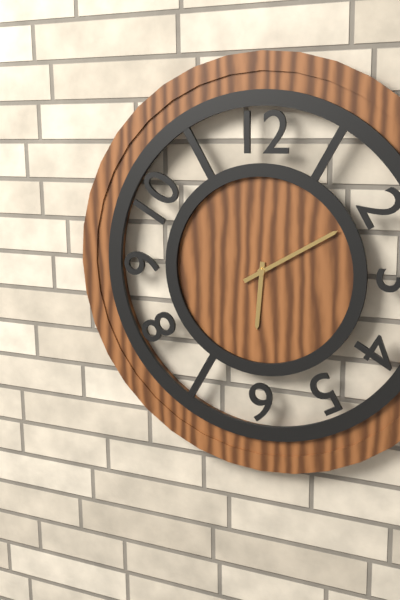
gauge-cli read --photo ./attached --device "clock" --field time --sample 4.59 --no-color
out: 6.10
